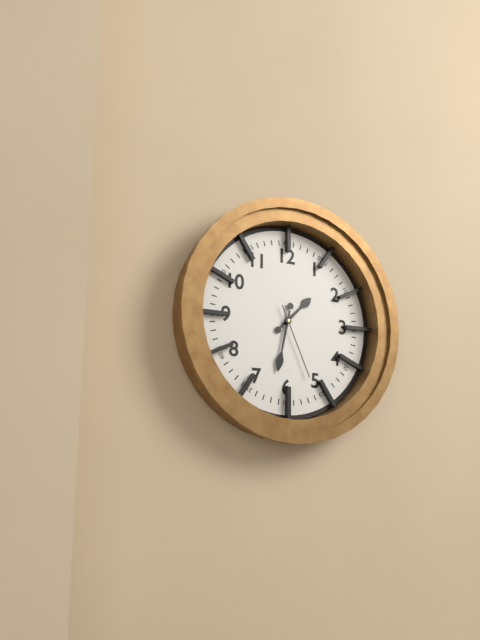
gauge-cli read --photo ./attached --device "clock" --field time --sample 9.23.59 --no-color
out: 1.32.26
